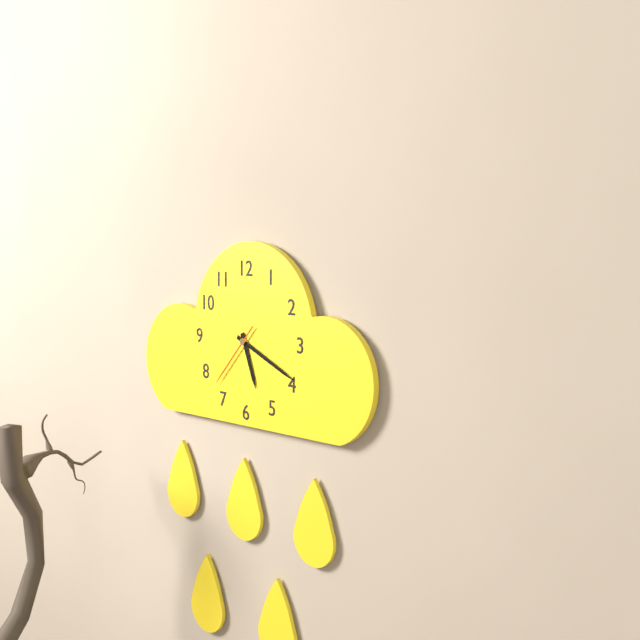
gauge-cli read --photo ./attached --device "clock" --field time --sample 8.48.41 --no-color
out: 5.19.37
